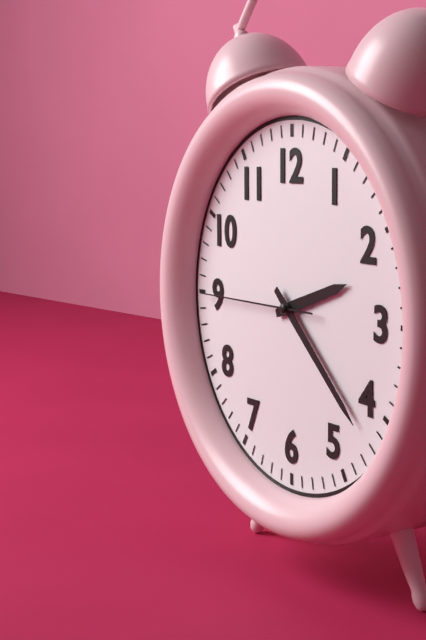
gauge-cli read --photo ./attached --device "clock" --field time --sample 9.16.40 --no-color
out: 2.22.45
